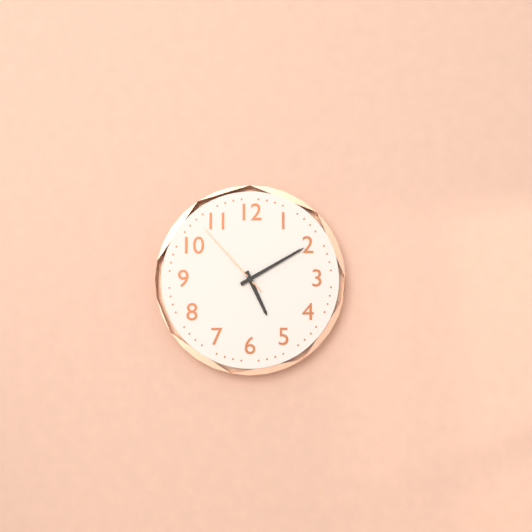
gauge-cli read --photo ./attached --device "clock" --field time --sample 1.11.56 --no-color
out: 5.10.53
